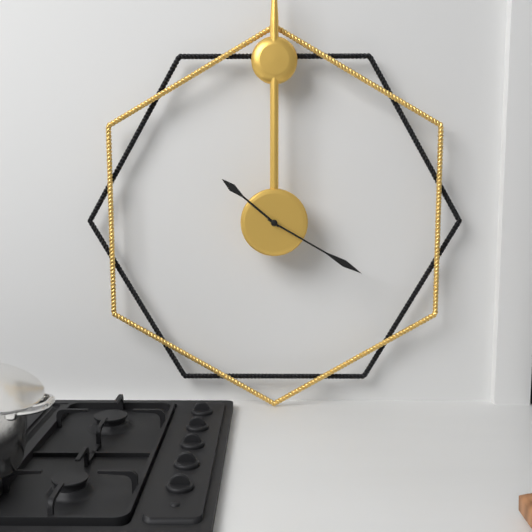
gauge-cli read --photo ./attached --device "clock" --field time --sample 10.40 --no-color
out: 10.20
